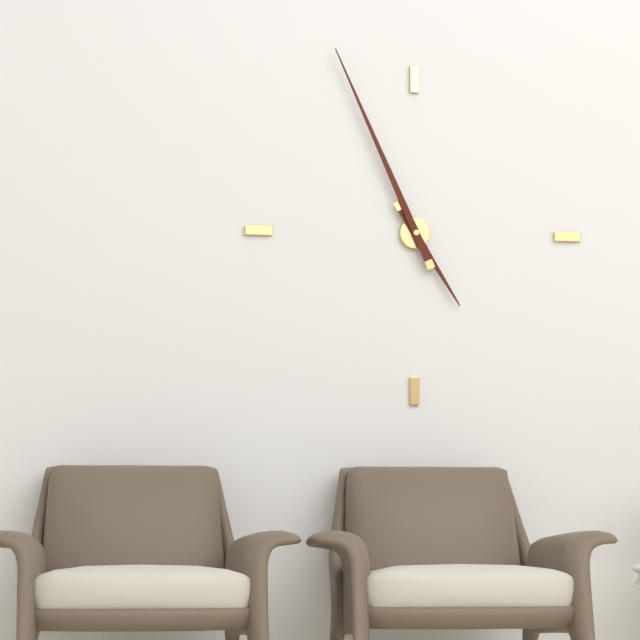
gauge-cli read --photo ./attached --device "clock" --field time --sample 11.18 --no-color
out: 4.56
